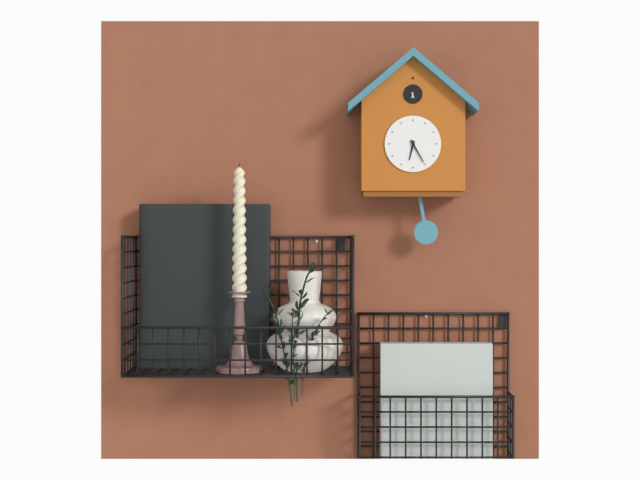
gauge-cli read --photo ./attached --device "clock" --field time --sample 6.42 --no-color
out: 6.25
